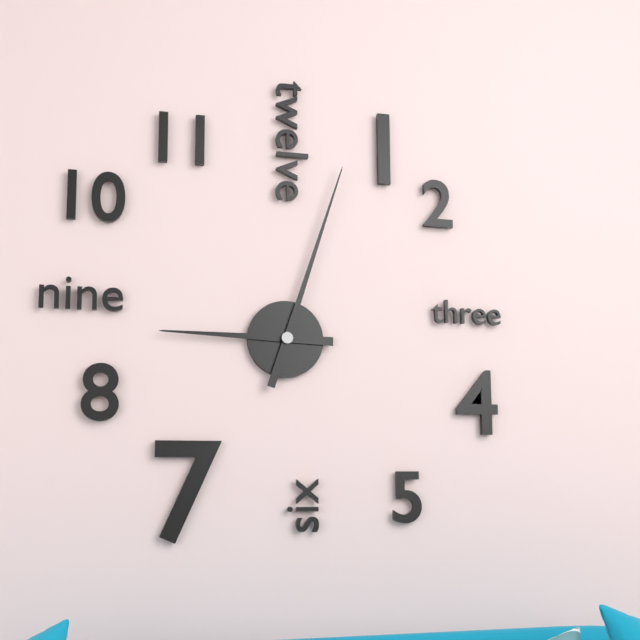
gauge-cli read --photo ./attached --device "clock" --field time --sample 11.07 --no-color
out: 9.03
